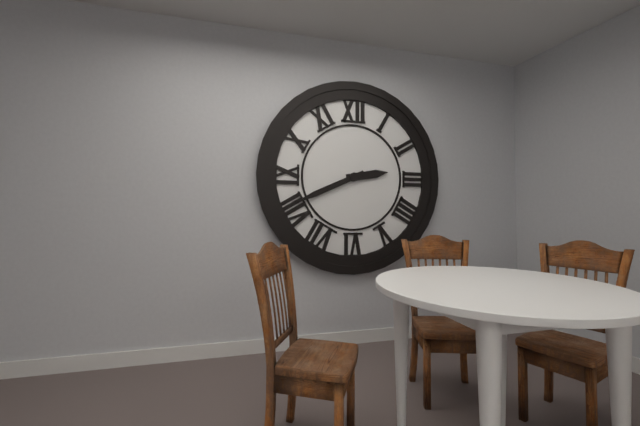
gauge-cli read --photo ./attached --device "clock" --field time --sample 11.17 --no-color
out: 2.41
